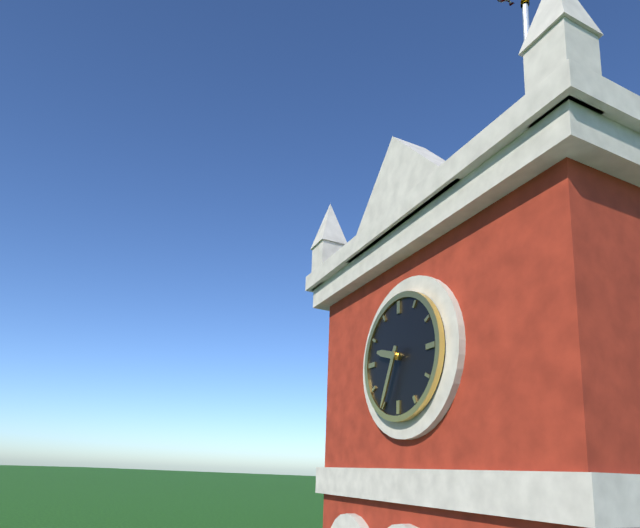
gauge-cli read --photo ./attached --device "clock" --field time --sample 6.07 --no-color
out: 9.34
